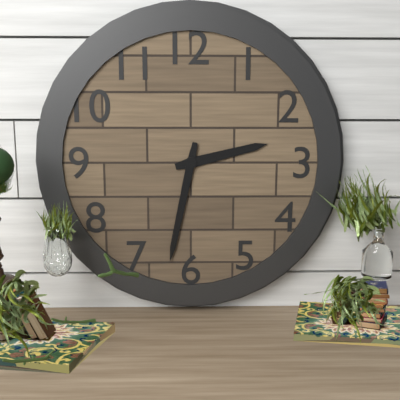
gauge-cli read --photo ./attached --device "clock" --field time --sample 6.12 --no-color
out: 2.32
